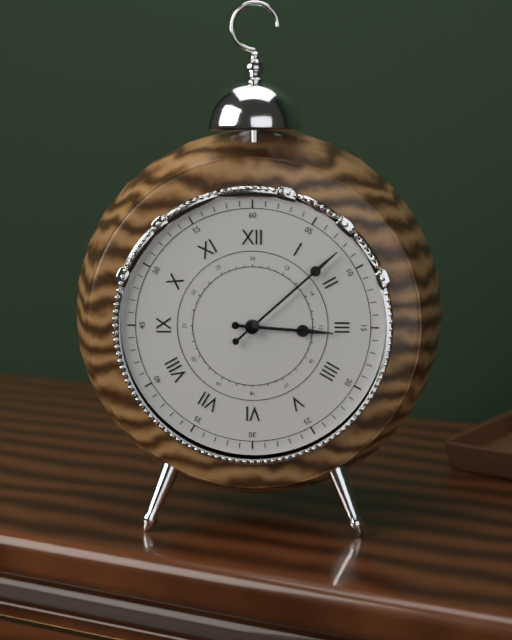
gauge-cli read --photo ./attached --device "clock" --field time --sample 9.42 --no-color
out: 3.08
